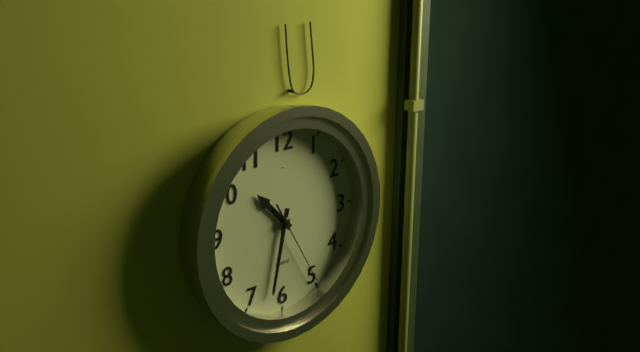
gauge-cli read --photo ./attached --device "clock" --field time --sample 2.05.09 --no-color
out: 10.32.25
